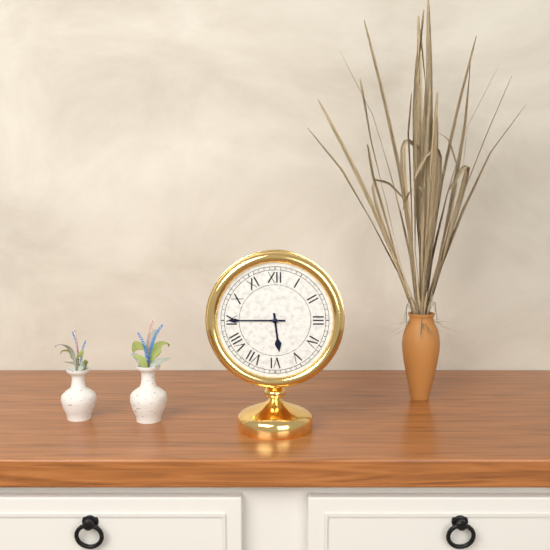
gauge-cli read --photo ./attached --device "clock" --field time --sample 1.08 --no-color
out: 5.45
